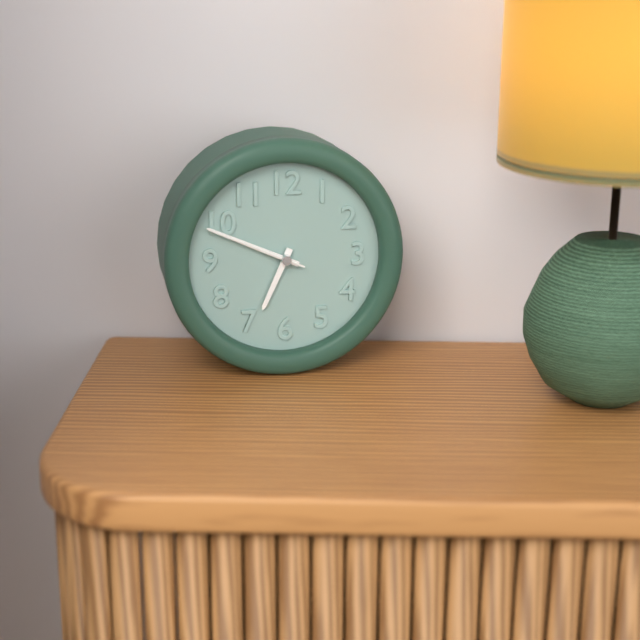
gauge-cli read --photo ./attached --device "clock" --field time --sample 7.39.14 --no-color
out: 6.49.49
